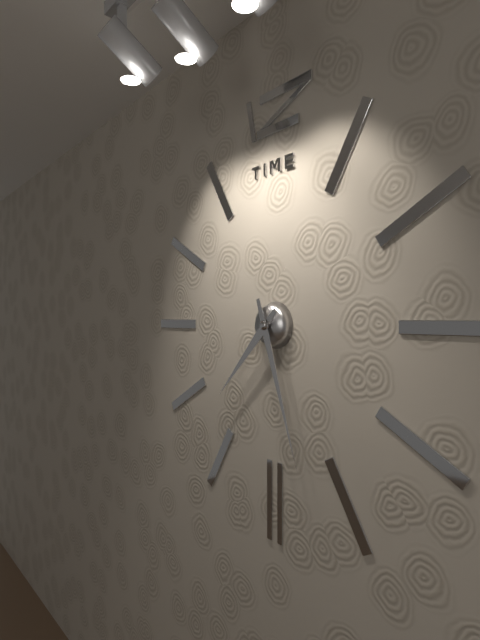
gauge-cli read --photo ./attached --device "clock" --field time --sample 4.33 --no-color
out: 7.27
